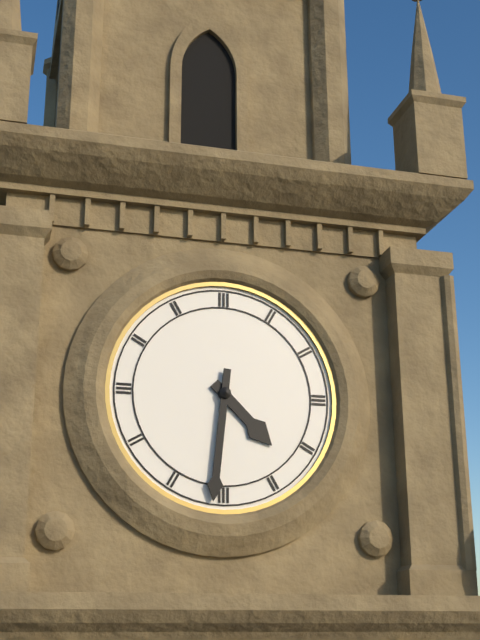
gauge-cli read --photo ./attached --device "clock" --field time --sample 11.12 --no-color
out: 4.31
